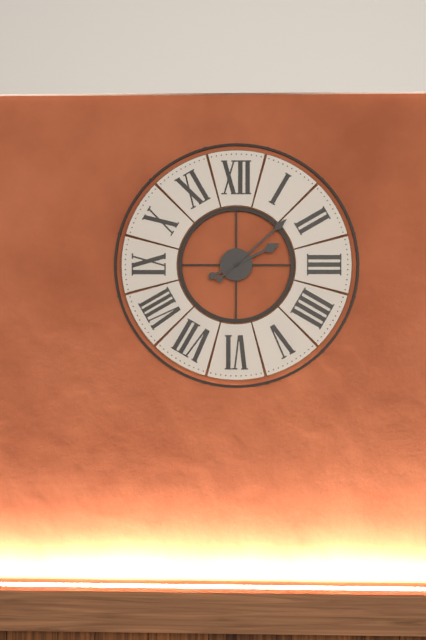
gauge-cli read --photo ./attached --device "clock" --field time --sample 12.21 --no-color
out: 2.08
